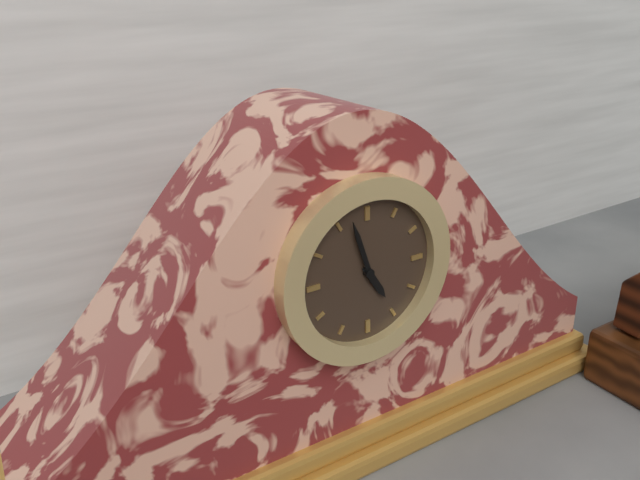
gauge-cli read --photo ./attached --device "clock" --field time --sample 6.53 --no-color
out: 4.57
